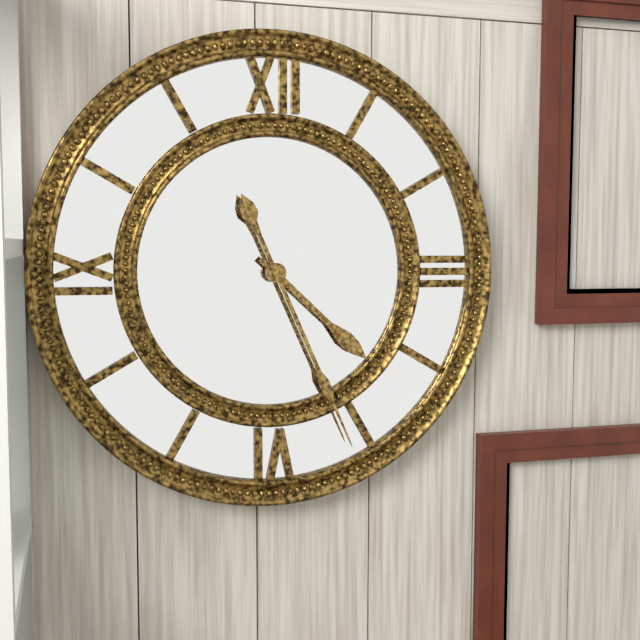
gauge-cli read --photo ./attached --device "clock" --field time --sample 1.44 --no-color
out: 4.26
